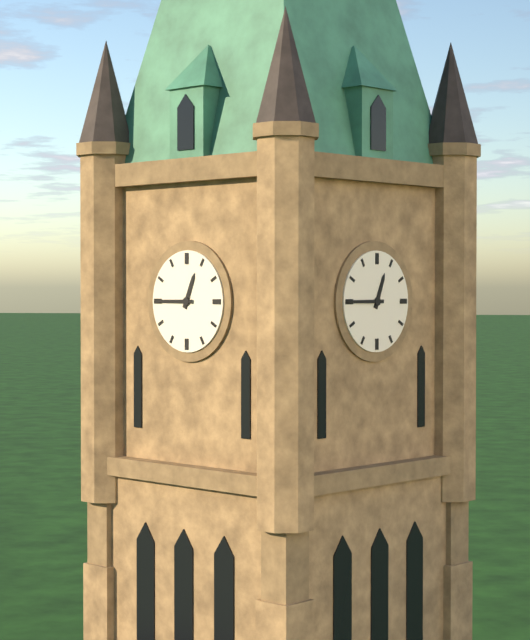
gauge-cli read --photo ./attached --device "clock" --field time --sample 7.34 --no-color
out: 12.45
